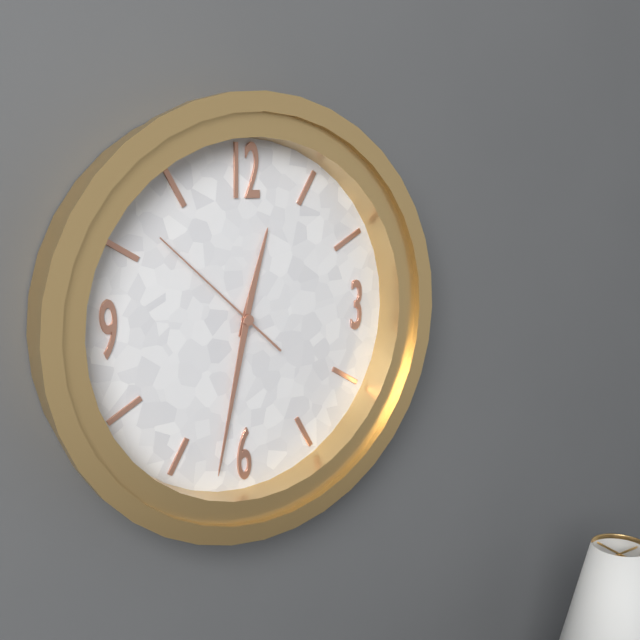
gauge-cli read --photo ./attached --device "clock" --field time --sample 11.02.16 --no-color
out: 12.32.52
